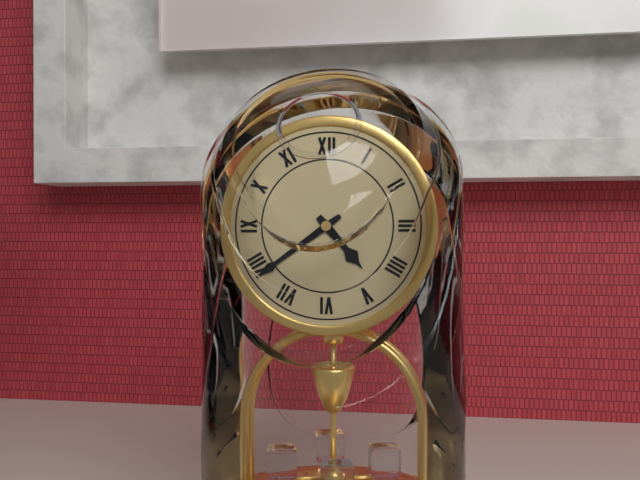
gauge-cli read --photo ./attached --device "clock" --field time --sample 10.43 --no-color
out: 4.39
